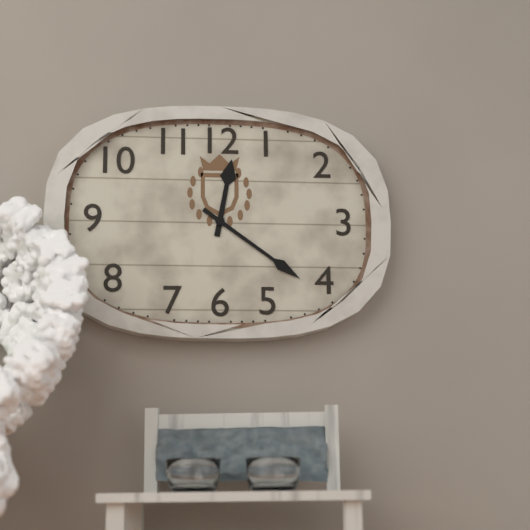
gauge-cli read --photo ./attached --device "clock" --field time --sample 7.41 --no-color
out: 12.21
